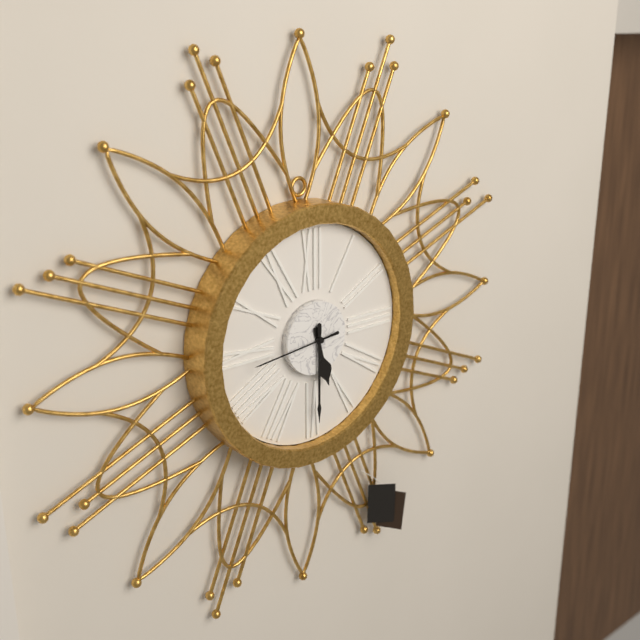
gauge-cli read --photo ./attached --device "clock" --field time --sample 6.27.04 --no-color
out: 5.30.44
